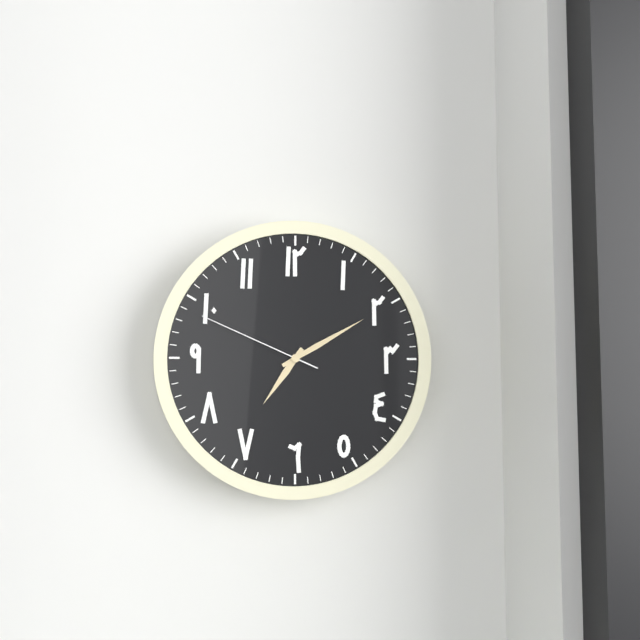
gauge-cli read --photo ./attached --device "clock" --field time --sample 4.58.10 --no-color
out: 7.10.49
